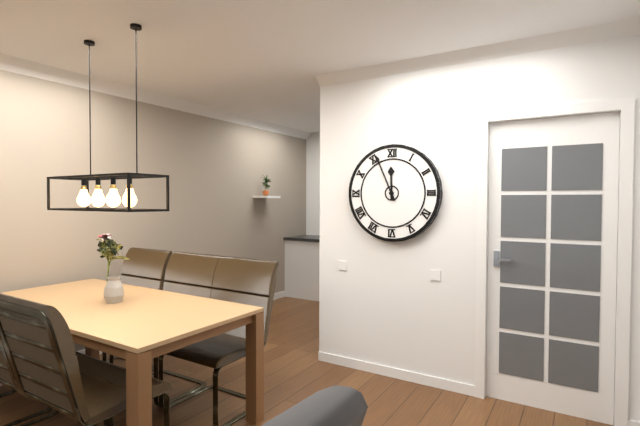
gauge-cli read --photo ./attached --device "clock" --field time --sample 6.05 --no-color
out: 11.56
